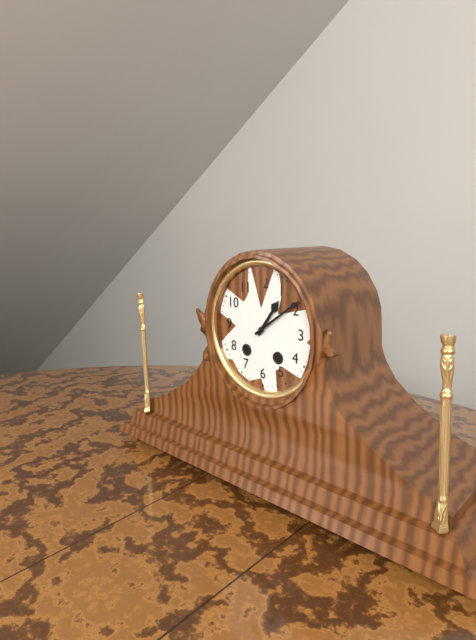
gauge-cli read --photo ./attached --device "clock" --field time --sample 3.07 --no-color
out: 1.09
